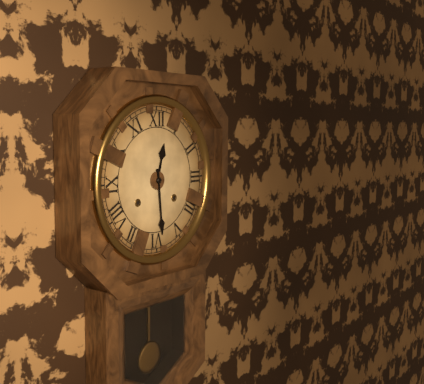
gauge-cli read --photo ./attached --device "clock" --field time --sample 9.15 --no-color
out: 12.29
